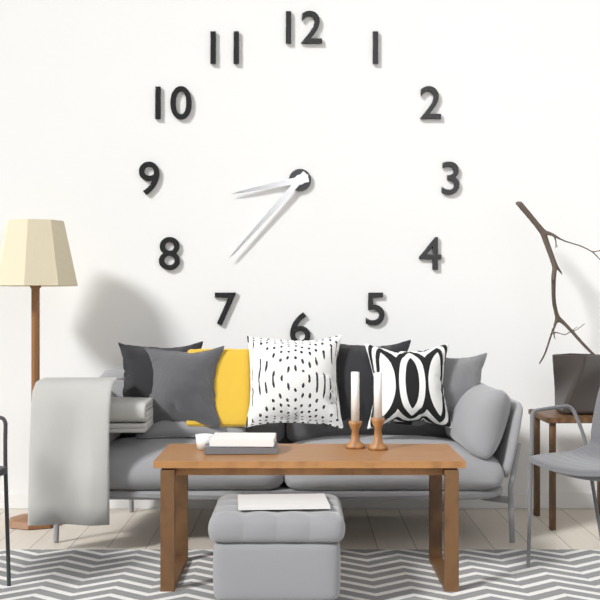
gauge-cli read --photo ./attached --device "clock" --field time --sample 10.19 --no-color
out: 8.37
